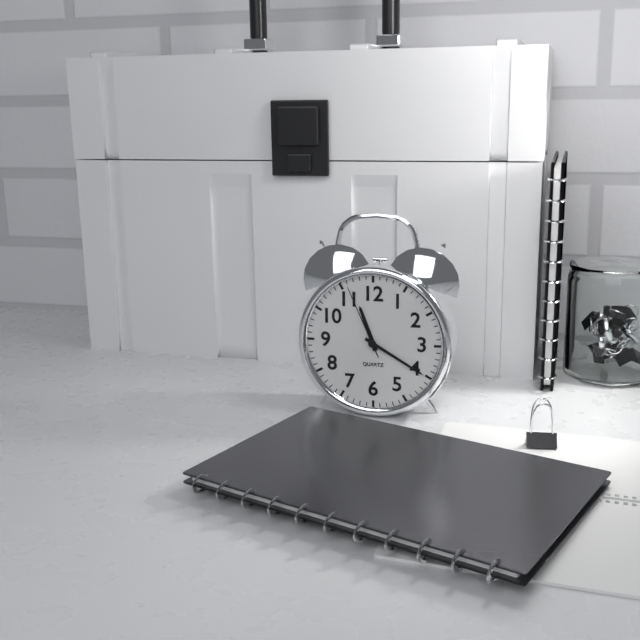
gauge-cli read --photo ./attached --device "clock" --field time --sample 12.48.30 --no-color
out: 11.20.56
